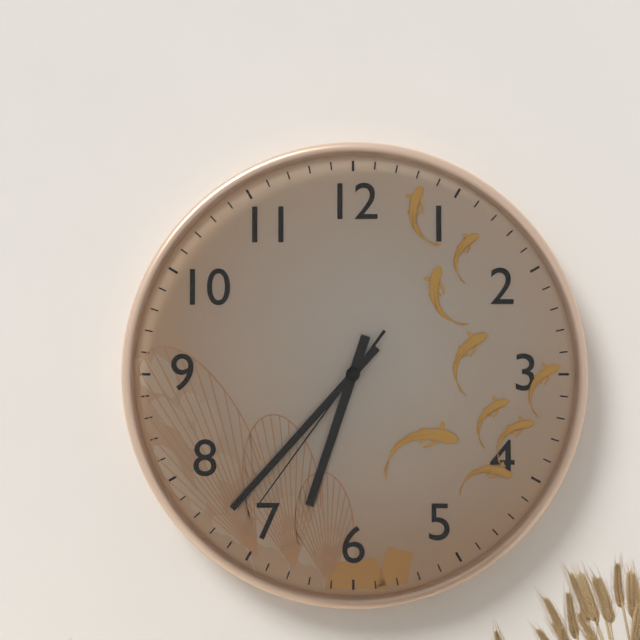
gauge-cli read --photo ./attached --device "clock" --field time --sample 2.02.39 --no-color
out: 6.37.36
